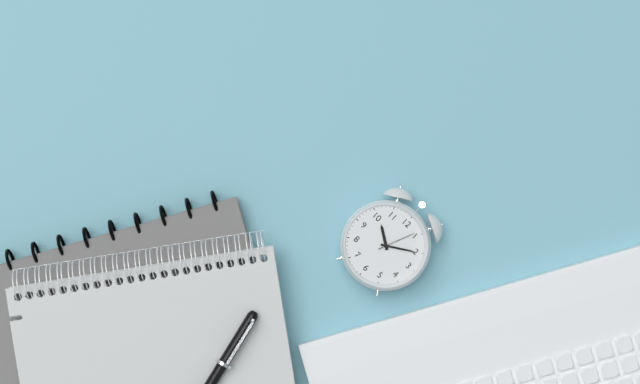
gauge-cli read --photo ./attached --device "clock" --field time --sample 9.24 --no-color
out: 10.10
